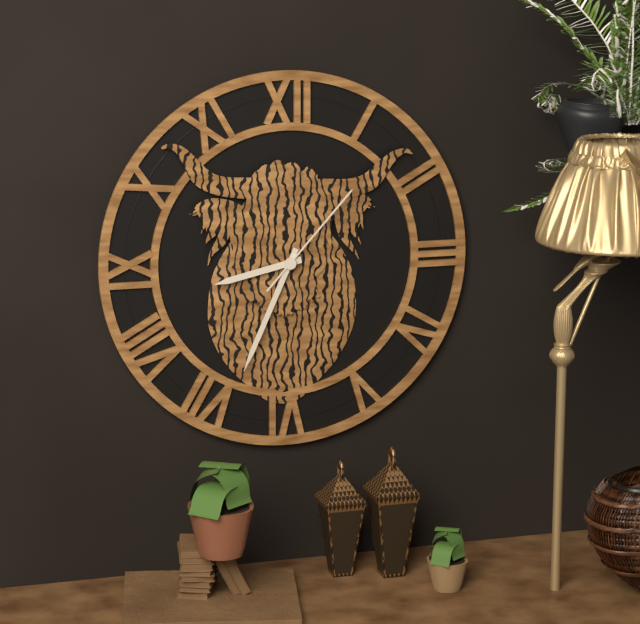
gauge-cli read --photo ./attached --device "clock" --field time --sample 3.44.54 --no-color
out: 8.34.07
